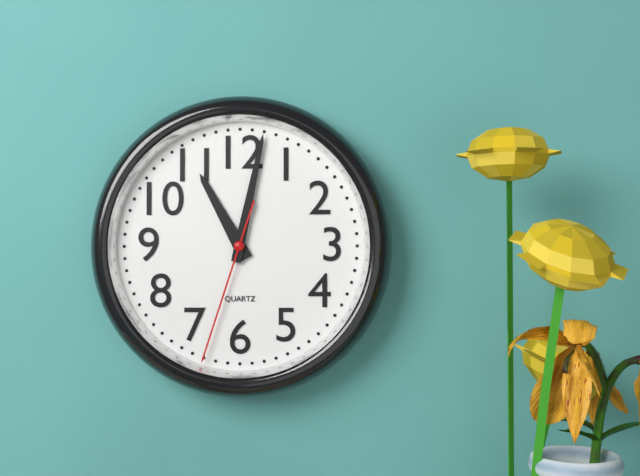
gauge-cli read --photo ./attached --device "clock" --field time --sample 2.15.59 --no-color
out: 11.02.33
